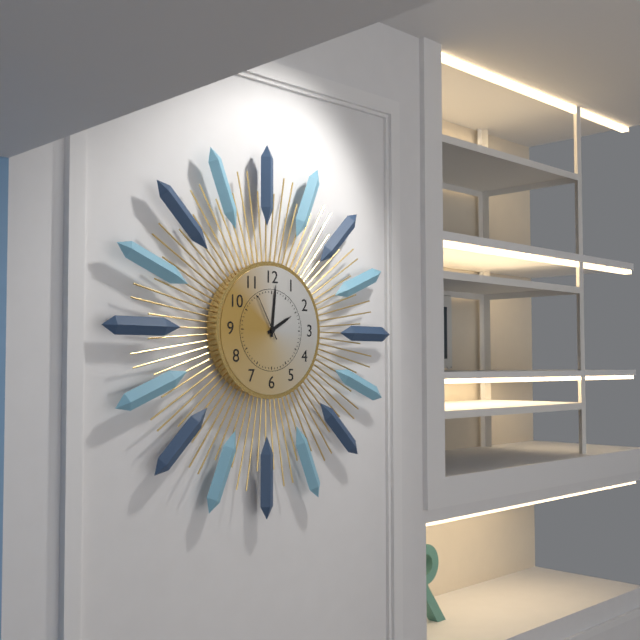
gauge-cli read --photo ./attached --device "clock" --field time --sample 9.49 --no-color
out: 2.01
